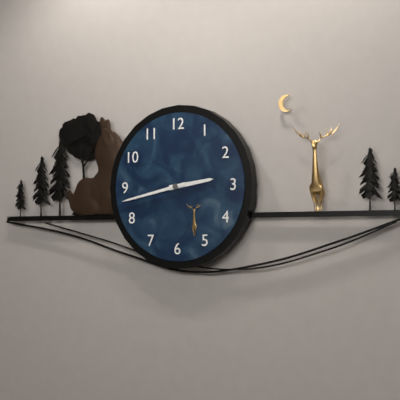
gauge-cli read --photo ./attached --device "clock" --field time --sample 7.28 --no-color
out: 2.43
